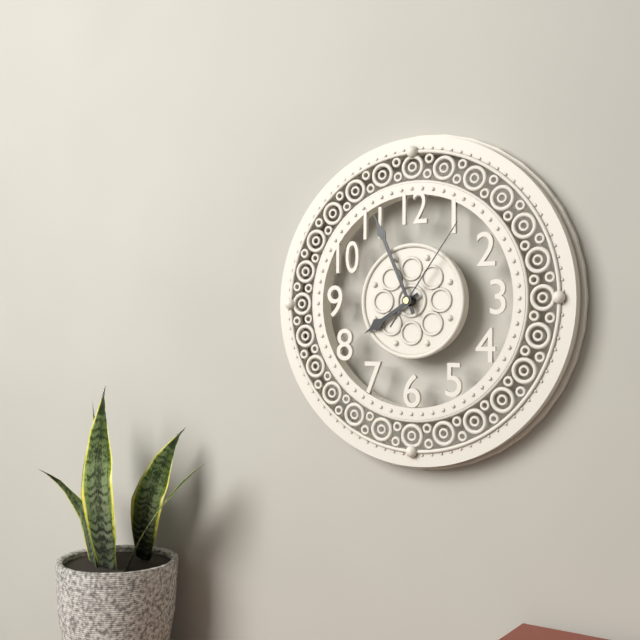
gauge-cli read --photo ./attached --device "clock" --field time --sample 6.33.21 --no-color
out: 7.56.06
